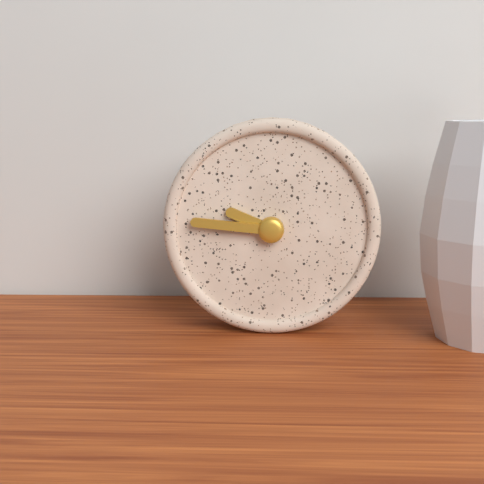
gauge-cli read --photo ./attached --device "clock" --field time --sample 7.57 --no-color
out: 9.46
